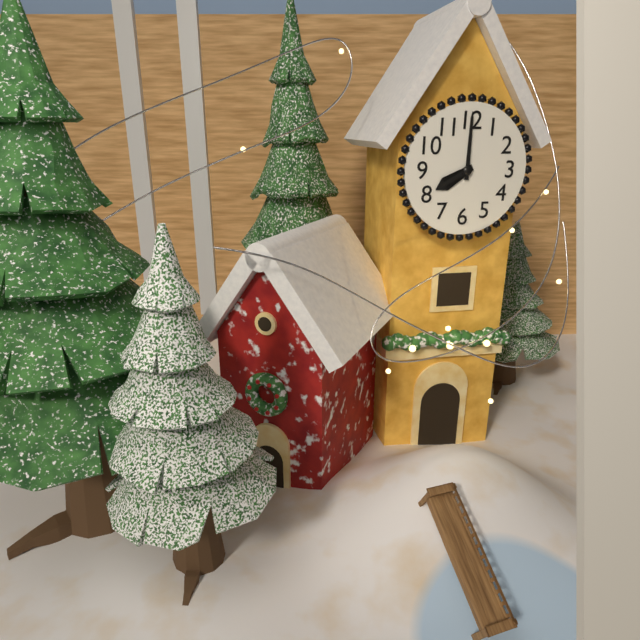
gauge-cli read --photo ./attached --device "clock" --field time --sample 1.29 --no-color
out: 8.00
